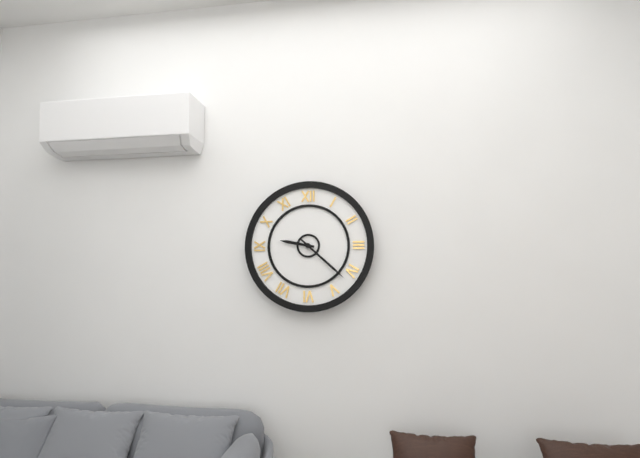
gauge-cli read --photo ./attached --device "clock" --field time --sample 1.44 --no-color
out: 9.22
